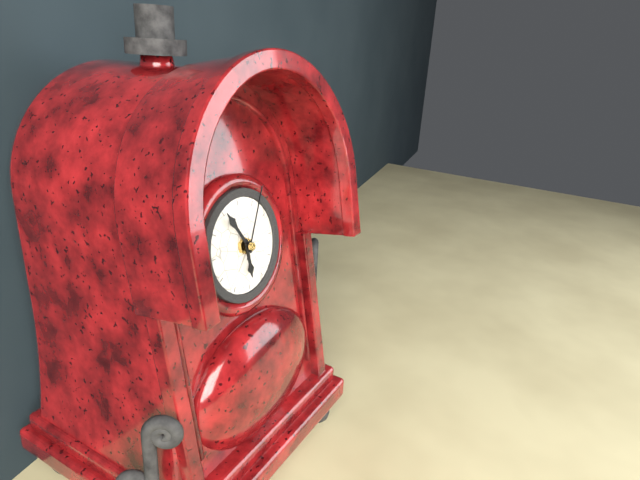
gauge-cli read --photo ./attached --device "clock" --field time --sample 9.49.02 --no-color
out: 5.55.05
